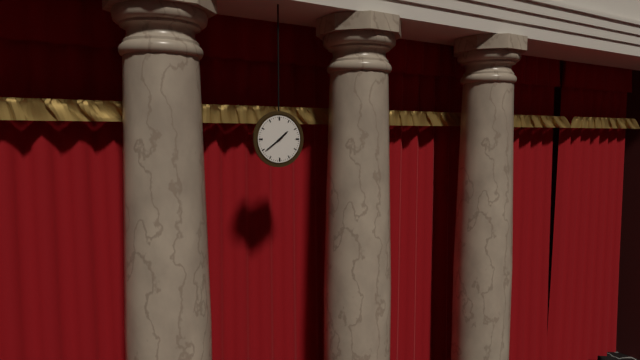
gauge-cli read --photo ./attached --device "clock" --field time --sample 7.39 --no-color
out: 1.39
